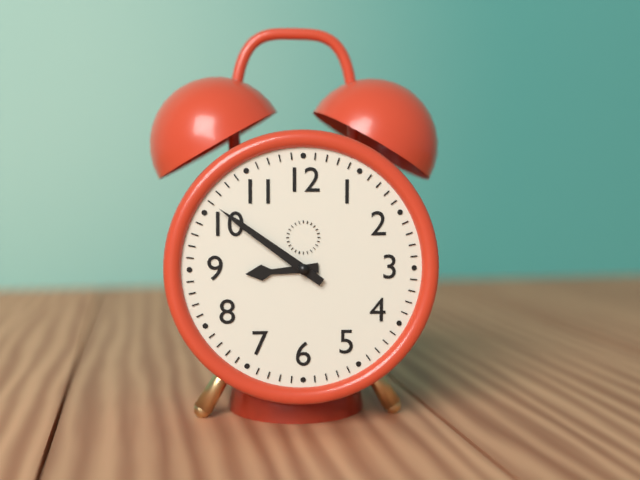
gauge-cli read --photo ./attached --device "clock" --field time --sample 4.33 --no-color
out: 8.51
